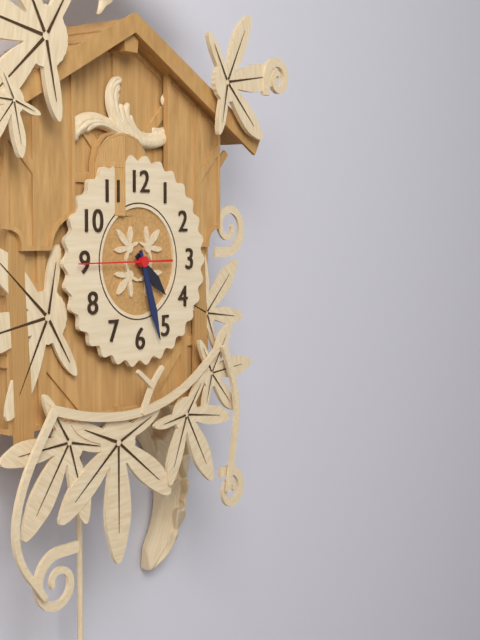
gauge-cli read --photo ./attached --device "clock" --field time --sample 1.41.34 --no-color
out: 4.27.45
